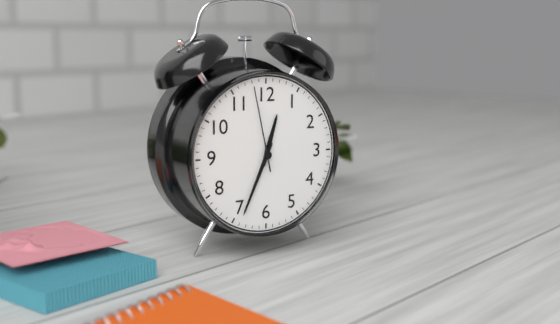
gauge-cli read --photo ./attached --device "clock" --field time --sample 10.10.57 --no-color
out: 12.34.58
